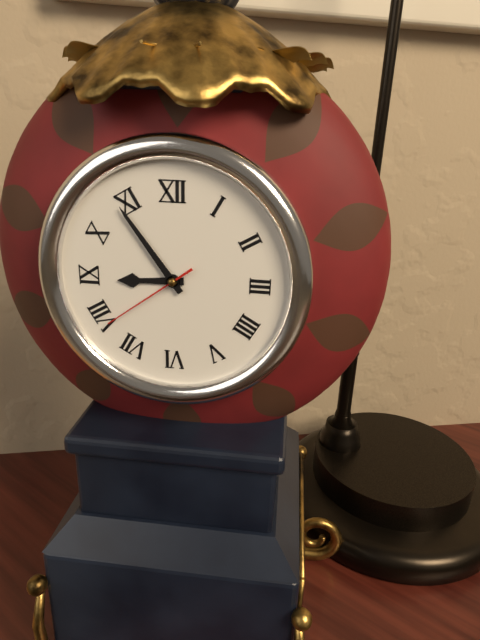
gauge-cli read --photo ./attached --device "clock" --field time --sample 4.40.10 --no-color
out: 8.54.39
